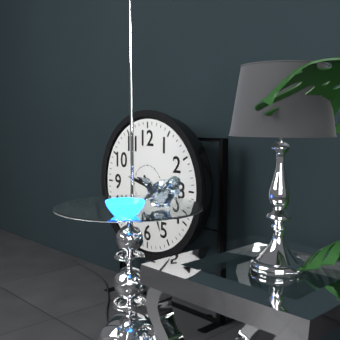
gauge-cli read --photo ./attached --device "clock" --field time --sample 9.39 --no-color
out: 9.26
